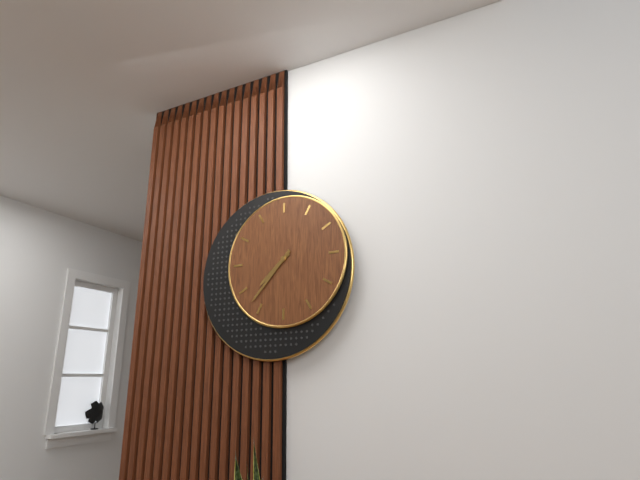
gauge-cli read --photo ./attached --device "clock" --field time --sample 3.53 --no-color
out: 7.37
